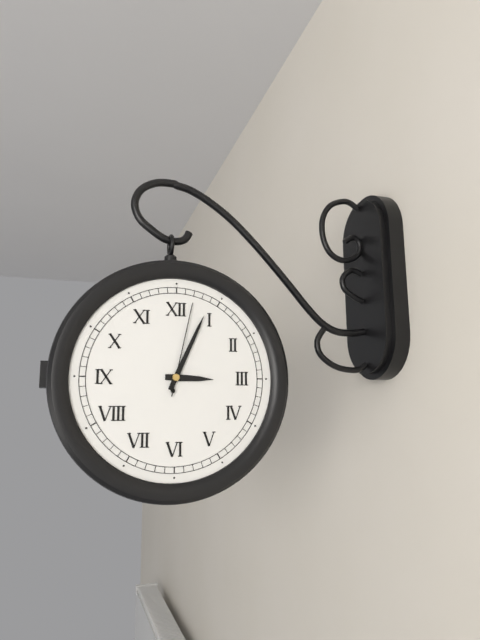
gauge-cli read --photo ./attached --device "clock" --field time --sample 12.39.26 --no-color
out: 3.04.02
